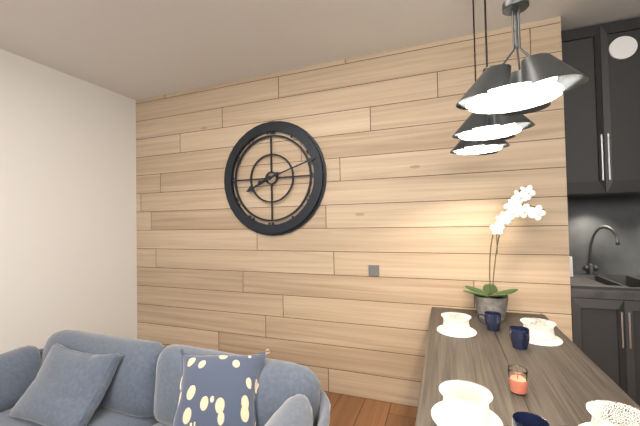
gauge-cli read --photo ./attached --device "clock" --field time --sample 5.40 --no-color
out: 8.12
